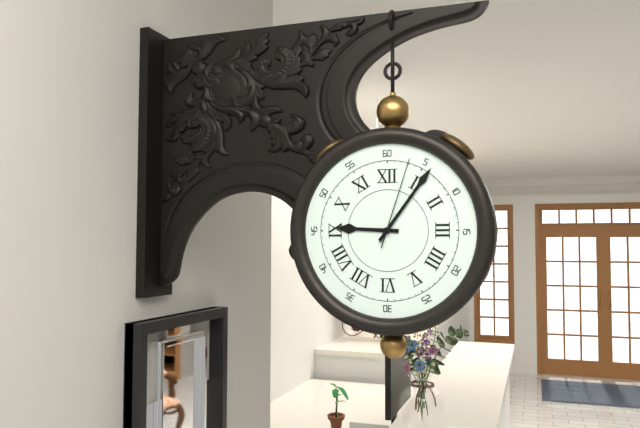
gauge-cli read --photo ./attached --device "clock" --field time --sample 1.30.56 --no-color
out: 9.06.03
